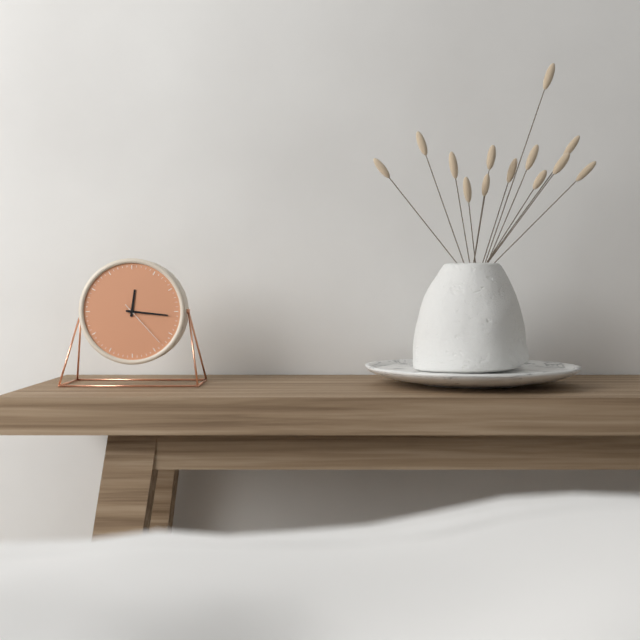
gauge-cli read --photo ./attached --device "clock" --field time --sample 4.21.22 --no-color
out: 12.16.23
